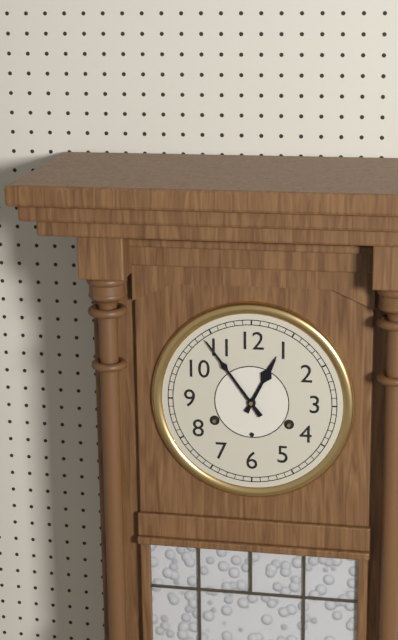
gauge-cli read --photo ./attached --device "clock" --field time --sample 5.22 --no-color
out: 12.54
